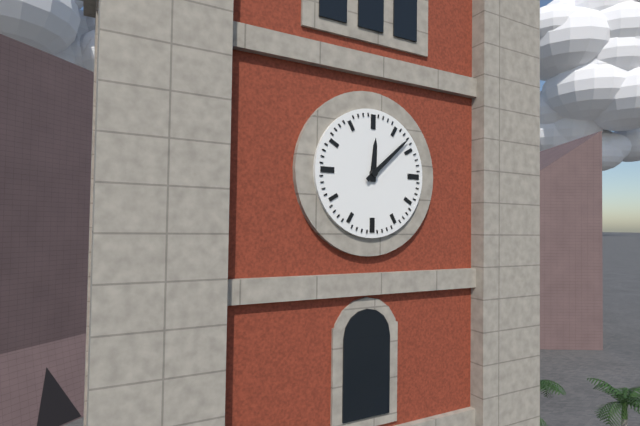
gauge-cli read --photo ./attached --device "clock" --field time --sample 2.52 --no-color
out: 12.08
